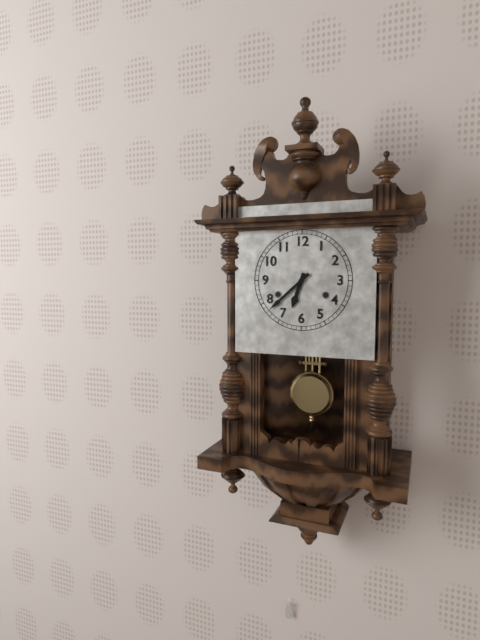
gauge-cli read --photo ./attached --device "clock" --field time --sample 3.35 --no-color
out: 6.38
